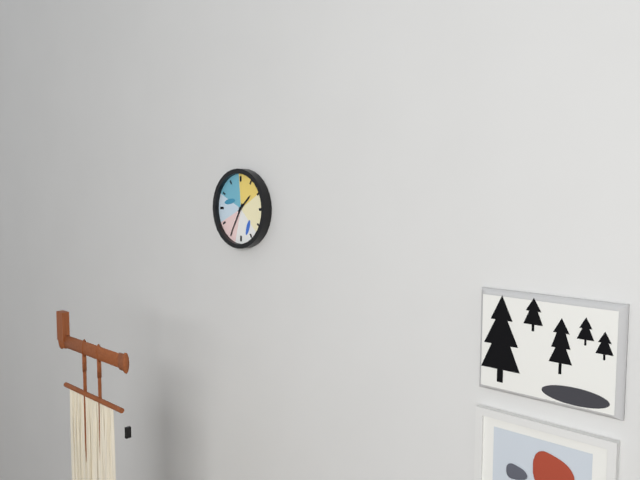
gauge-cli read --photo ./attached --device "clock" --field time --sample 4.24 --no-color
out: 1.35
